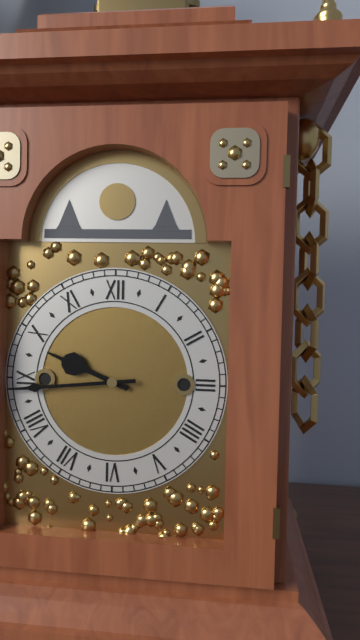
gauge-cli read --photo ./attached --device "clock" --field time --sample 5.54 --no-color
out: 9.44
